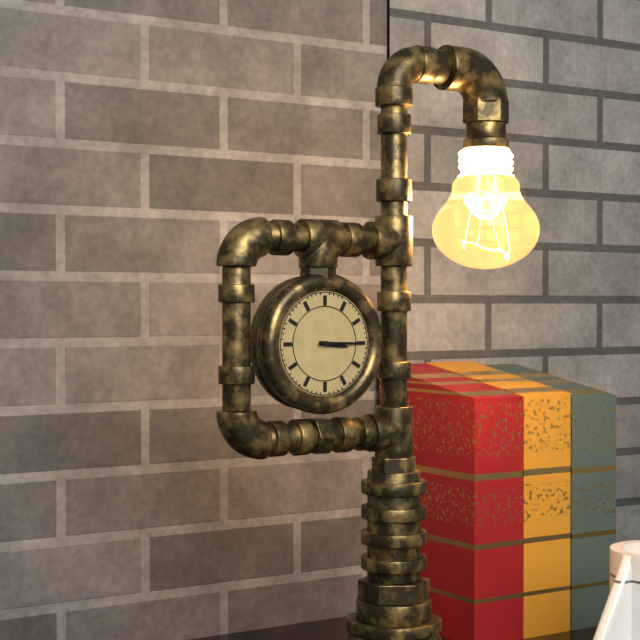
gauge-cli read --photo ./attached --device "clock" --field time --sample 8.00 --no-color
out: 3.15
